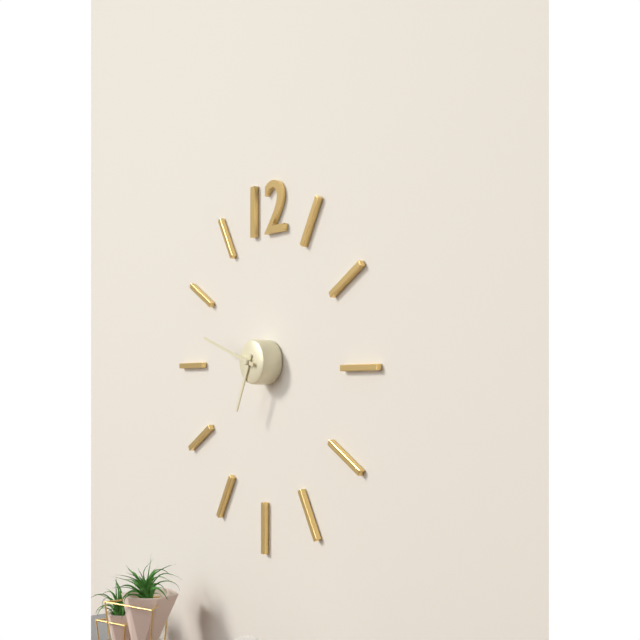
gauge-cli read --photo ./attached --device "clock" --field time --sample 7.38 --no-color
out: 6.48
